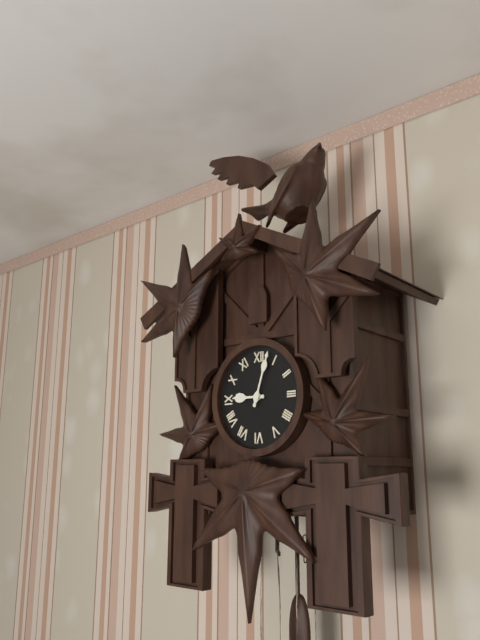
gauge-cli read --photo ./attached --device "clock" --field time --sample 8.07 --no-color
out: 9.03
